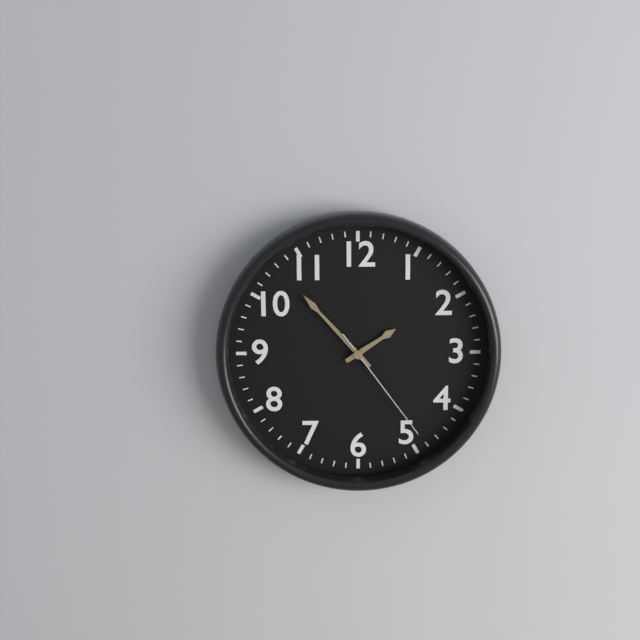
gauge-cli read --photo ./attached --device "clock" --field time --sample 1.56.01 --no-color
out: 1.53.24
